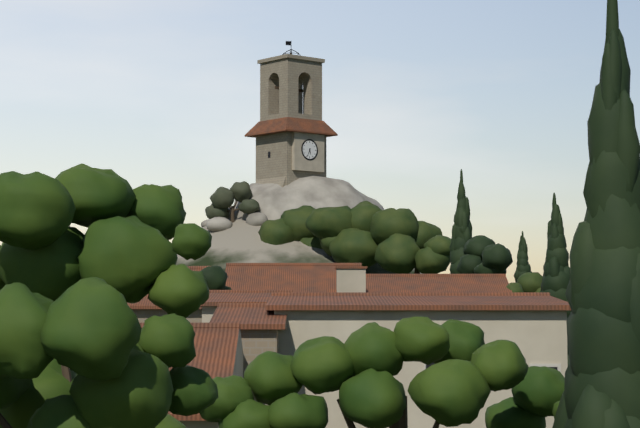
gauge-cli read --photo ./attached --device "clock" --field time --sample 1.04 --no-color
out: 5.34
